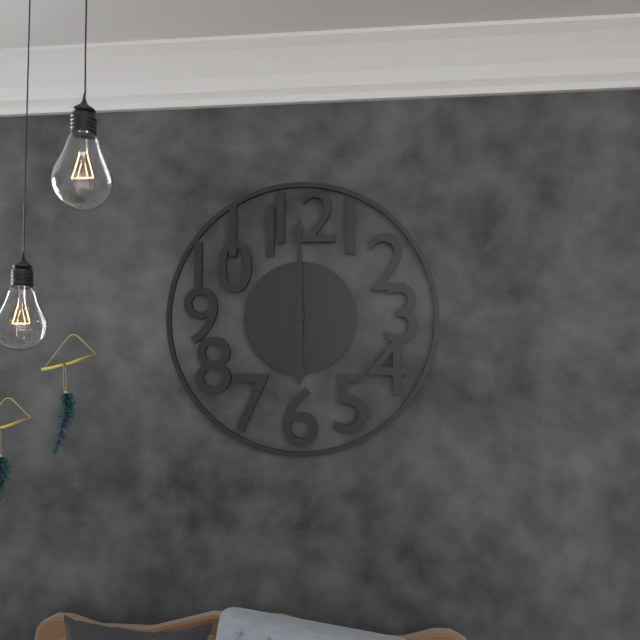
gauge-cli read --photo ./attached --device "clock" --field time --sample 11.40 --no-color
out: 6.00
